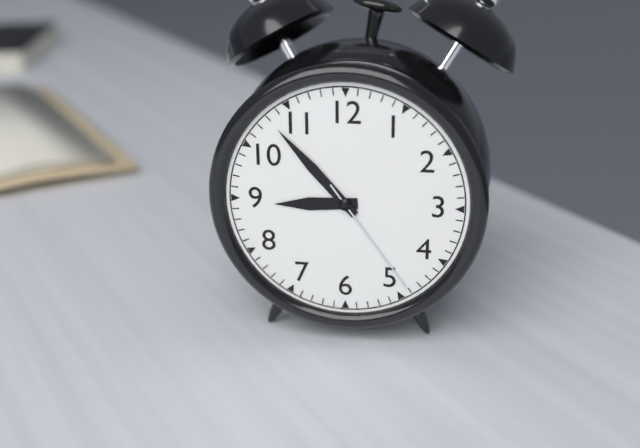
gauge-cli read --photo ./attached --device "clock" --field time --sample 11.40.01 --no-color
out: 8.53.24
